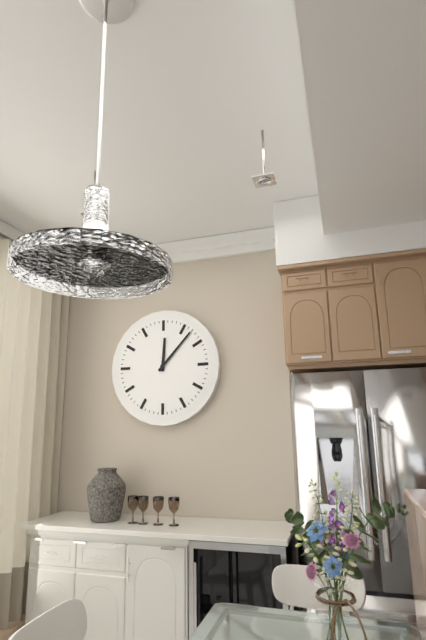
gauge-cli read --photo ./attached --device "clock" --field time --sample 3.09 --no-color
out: 12.07
